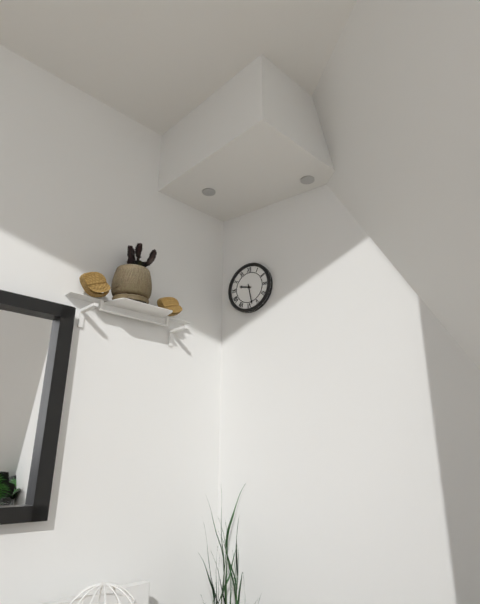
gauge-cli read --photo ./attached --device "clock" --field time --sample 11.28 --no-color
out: 9.28
